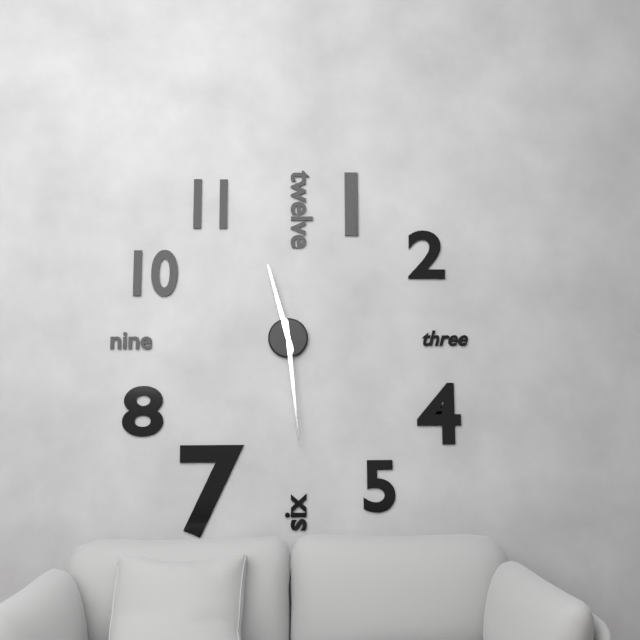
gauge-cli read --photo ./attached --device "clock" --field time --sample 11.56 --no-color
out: 11.29
